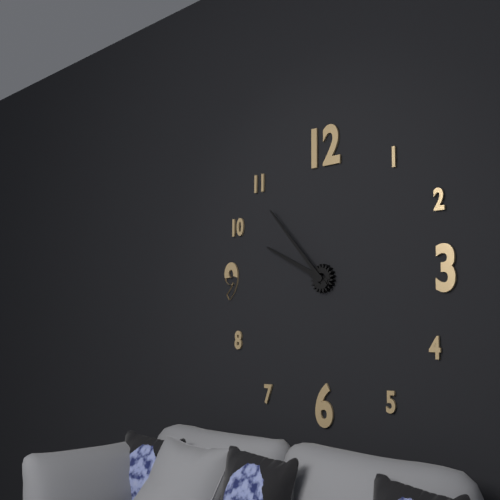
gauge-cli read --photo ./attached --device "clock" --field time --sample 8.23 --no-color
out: 9.53
